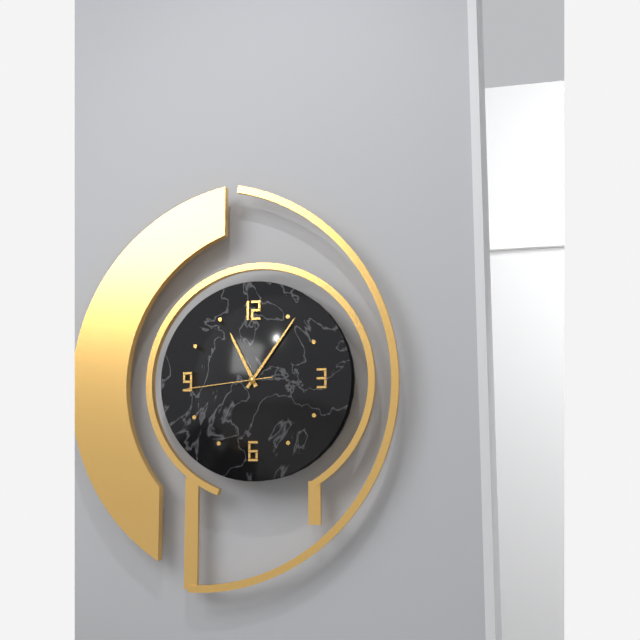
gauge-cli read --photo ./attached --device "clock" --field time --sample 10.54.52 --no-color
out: 11.06.44
